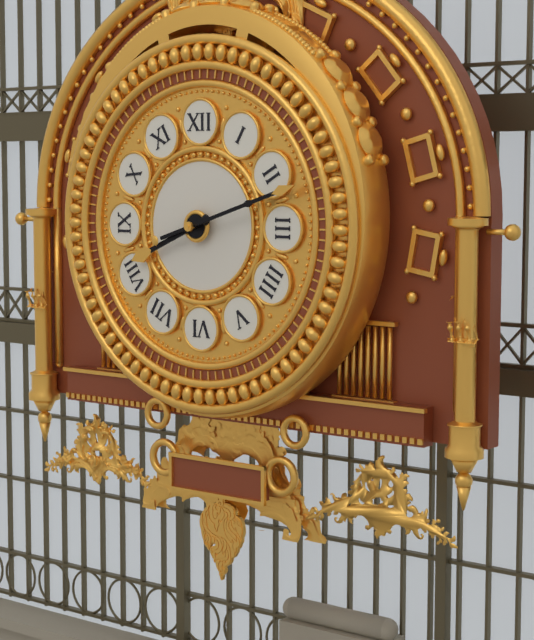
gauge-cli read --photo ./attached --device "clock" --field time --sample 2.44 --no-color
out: 8.12
